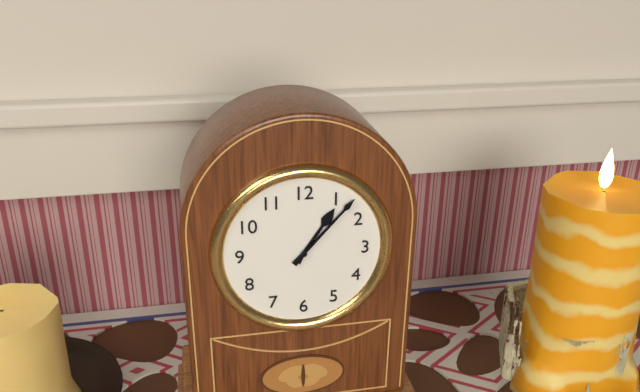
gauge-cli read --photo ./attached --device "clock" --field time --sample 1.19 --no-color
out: 1.07
